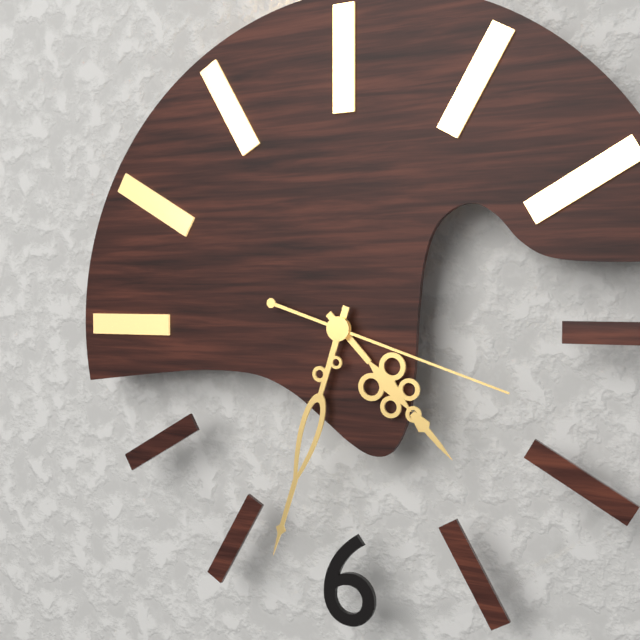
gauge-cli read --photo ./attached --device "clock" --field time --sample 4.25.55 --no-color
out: 4.33.18
